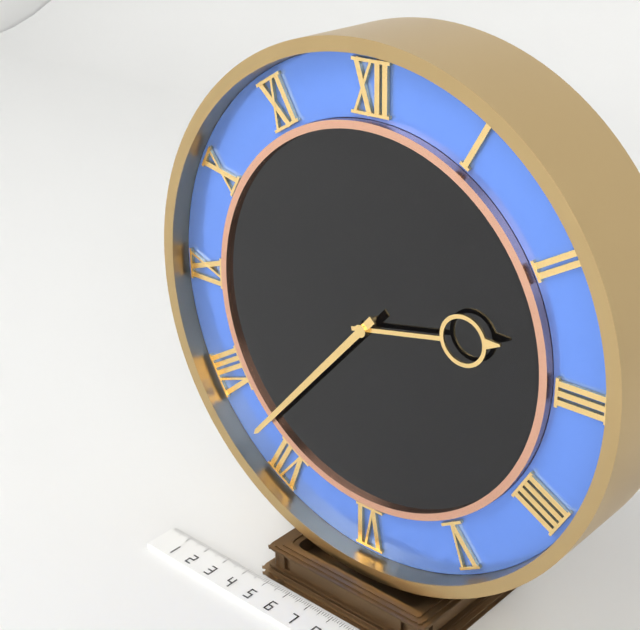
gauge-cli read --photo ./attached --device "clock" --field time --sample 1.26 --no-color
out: 2.37
